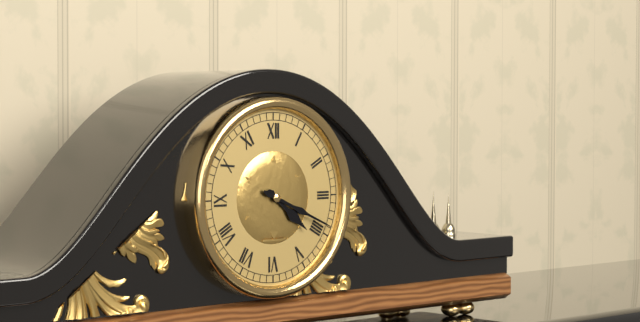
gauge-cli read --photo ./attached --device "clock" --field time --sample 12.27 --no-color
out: 4.19
